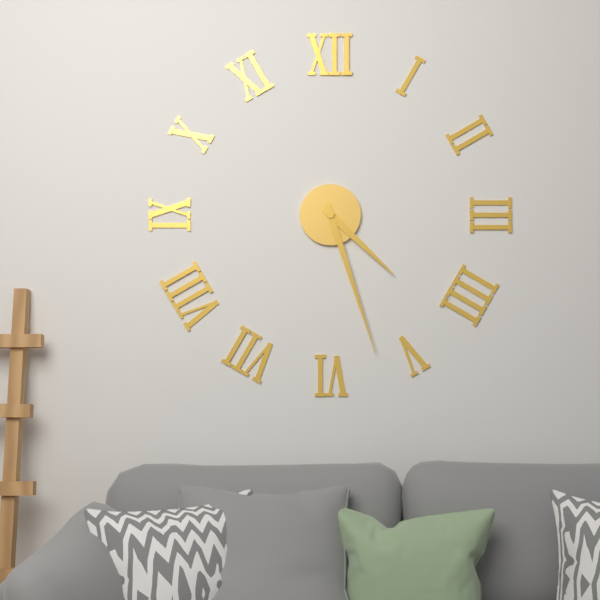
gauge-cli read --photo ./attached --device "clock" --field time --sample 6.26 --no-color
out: 4.27
